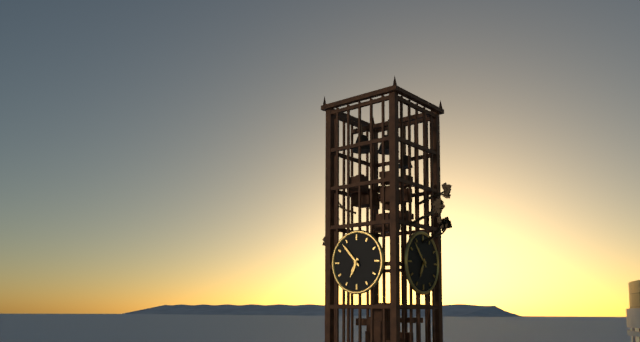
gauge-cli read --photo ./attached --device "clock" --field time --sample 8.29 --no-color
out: 6.53
